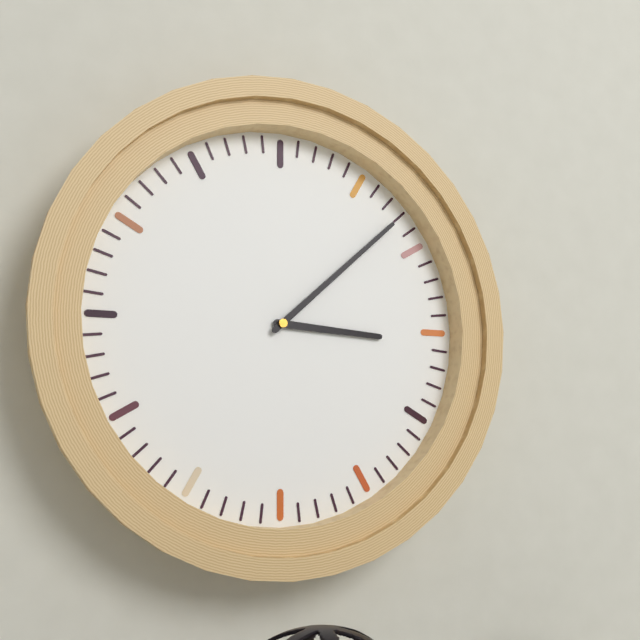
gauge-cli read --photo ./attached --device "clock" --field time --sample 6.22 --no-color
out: 3.08
